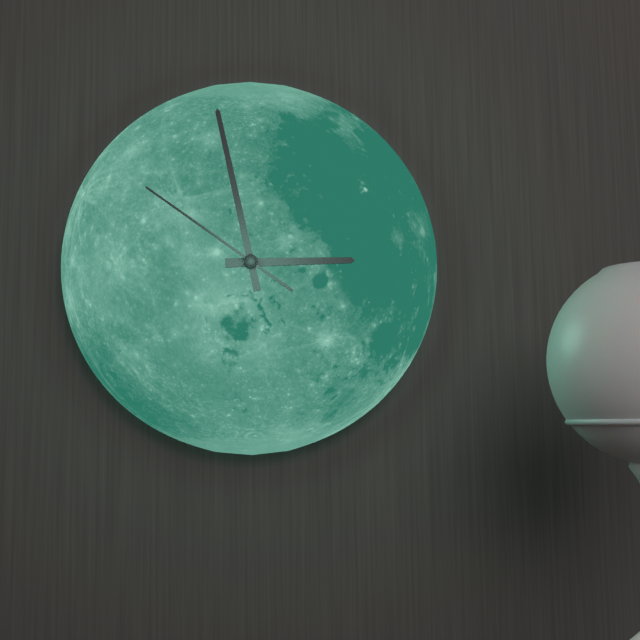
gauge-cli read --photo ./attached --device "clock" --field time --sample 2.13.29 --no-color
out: 2.58.51
